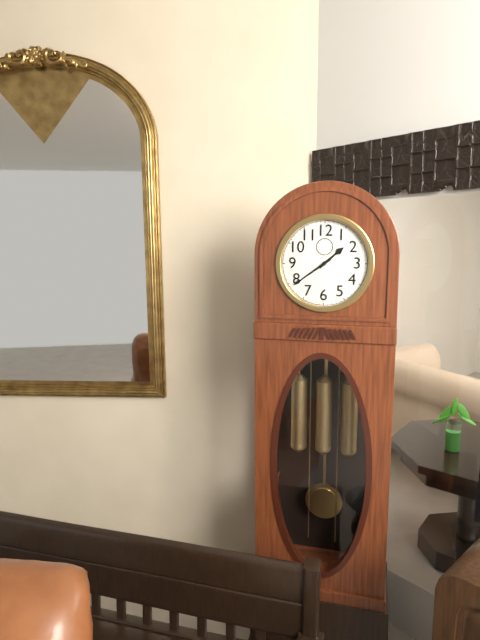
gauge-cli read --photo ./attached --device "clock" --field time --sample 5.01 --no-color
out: 1.39
